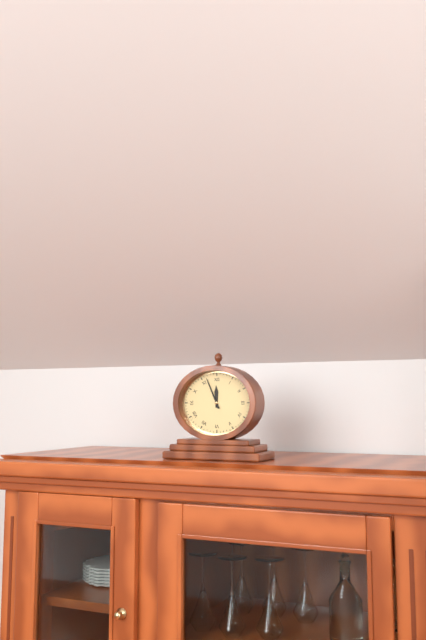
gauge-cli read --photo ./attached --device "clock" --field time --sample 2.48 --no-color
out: 11.56
